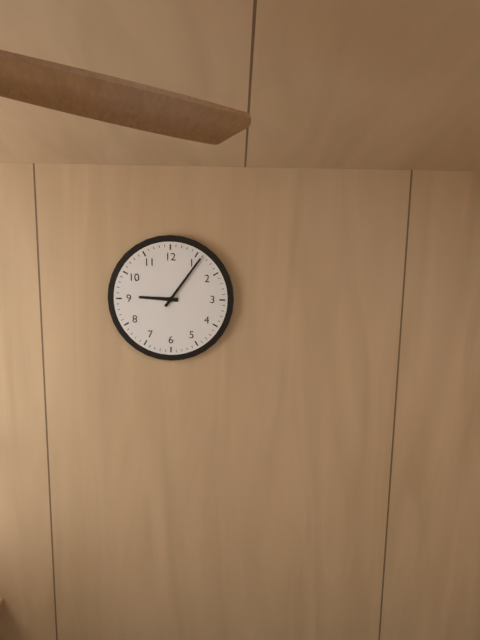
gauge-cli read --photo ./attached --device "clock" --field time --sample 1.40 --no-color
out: 9.06
